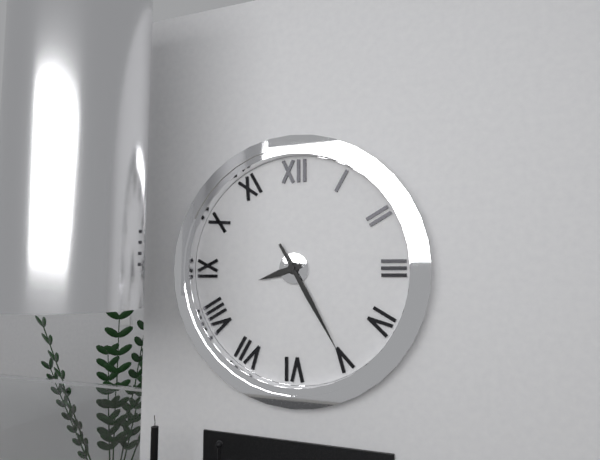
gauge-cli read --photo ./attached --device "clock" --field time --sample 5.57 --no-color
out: 8.25
